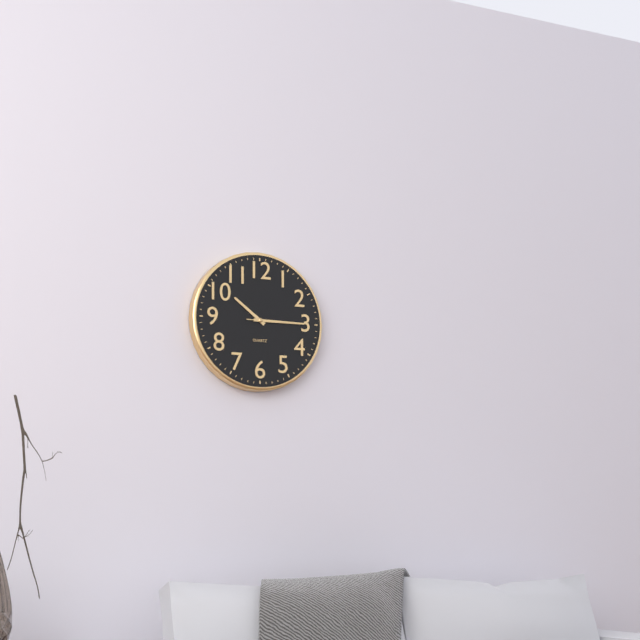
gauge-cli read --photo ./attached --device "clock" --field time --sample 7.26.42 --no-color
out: 10.15.15
